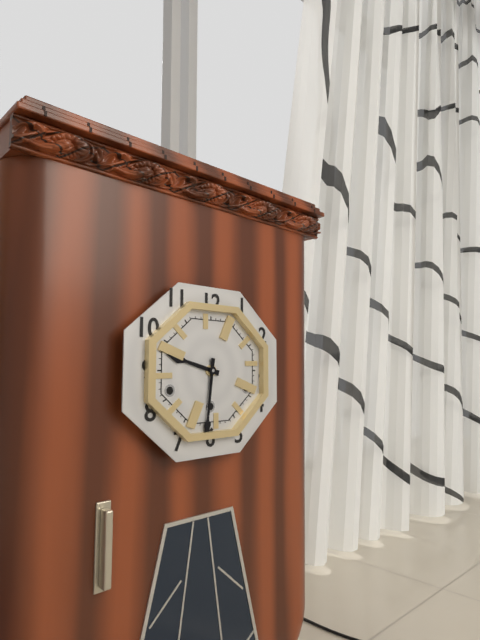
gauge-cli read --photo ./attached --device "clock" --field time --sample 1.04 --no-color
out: 9.31
